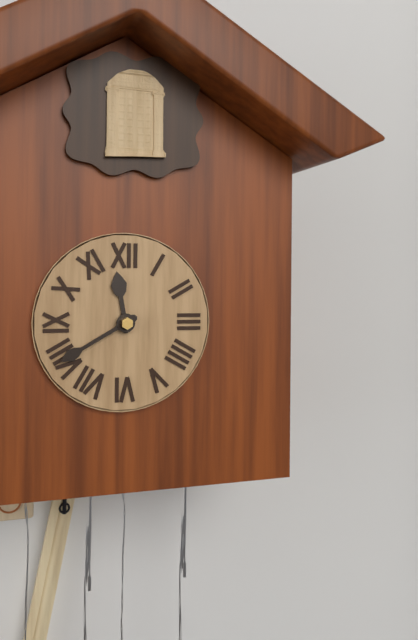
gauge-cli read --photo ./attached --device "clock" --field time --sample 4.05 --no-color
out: 11.40
